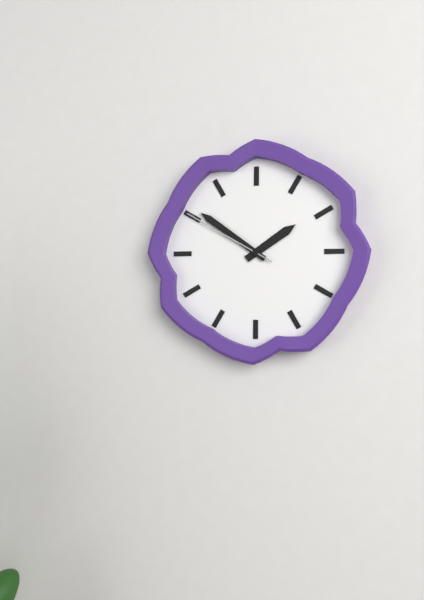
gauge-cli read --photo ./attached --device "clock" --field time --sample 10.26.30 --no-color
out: 1.51.50
